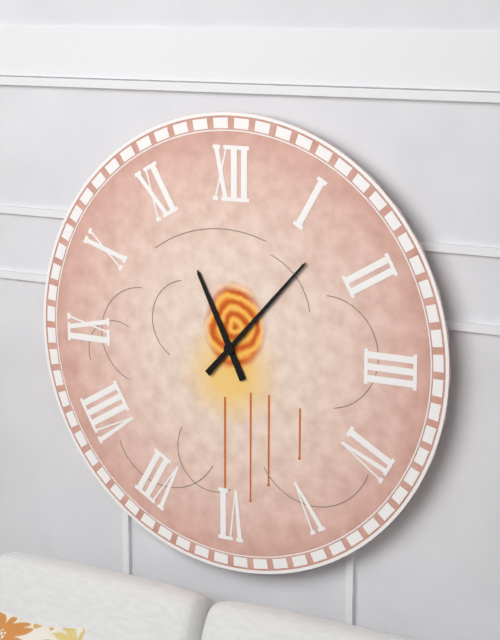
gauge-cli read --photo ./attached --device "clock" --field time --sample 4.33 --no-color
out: 11.07
